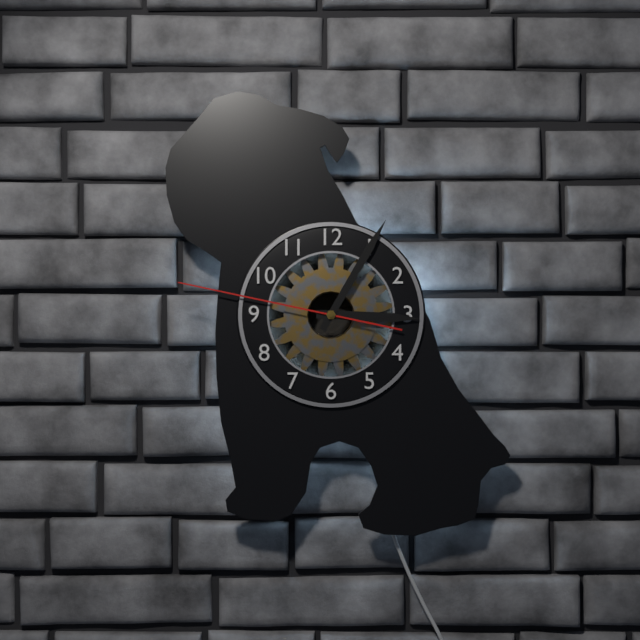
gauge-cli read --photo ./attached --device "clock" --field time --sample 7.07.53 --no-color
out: 3.05.47
